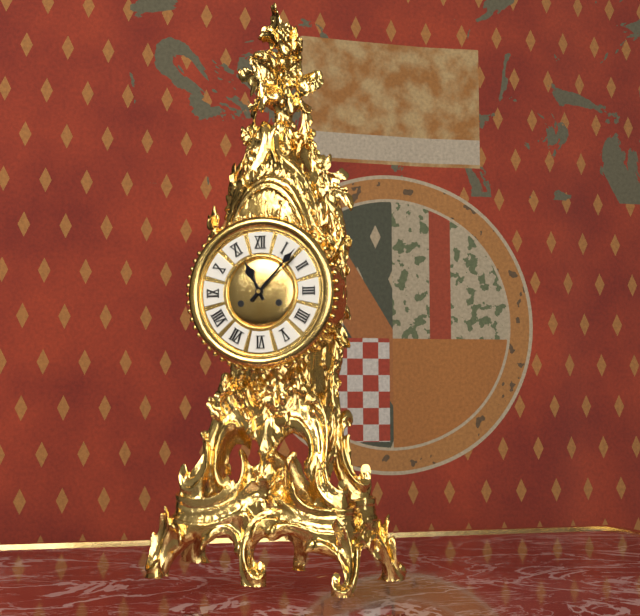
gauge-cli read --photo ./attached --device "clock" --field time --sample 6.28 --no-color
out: 11.07
